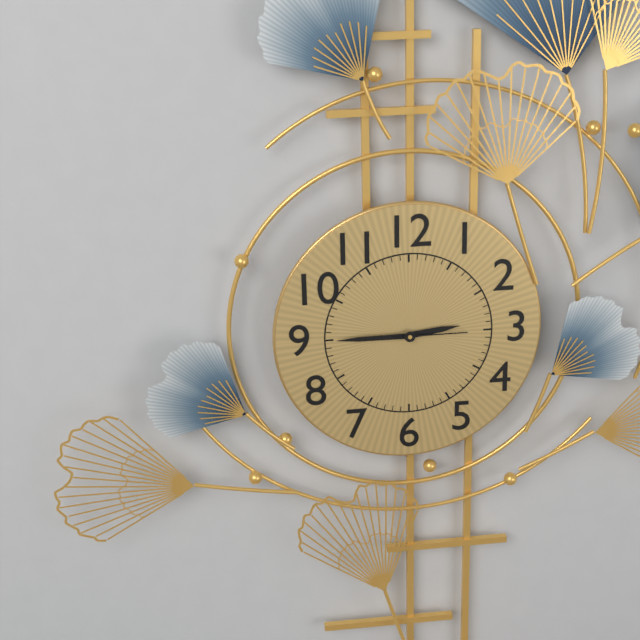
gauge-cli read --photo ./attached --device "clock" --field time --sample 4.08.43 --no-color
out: 2.45.15
